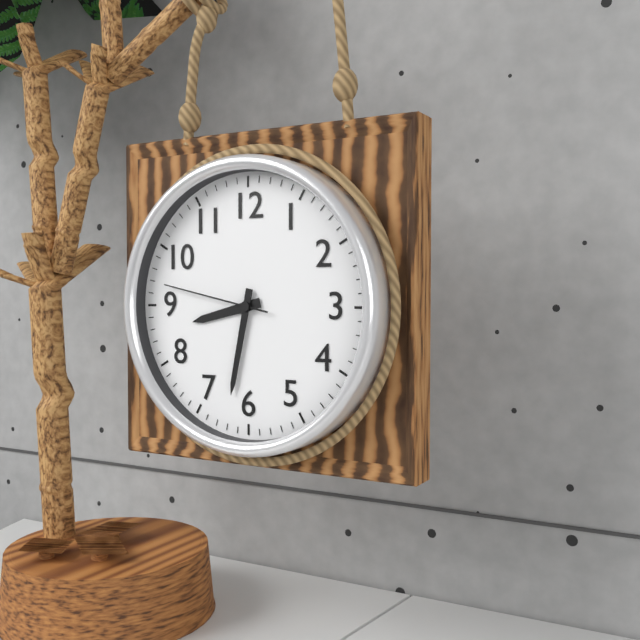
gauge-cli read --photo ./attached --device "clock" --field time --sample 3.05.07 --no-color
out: 8.32.47
